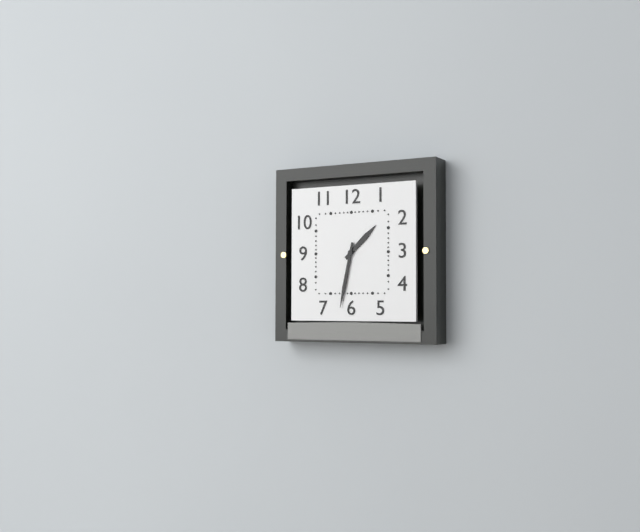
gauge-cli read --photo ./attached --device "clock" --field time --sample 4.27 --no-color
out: 1.32
